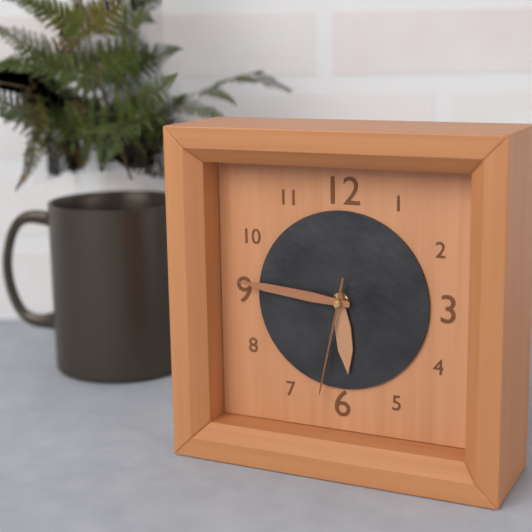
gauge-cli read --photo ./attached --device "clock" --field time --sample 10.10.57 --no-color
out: 5.46.32
